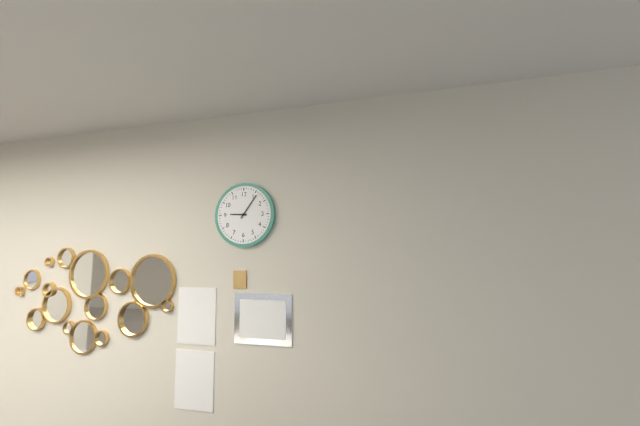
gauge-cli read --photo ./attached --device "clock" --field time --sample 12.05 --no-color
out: 9.06
